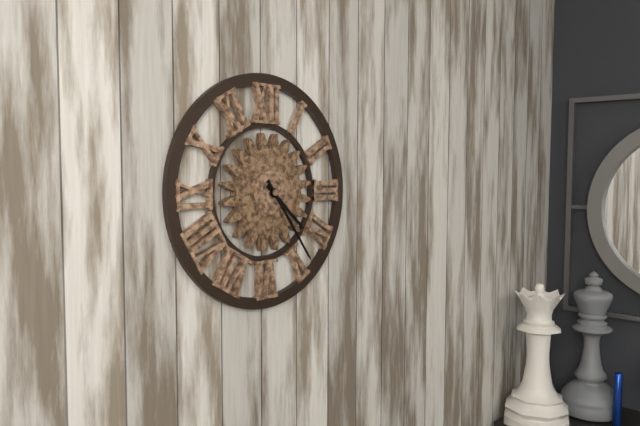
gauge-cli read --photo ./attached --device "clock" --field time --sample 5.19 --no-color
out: 4.24
